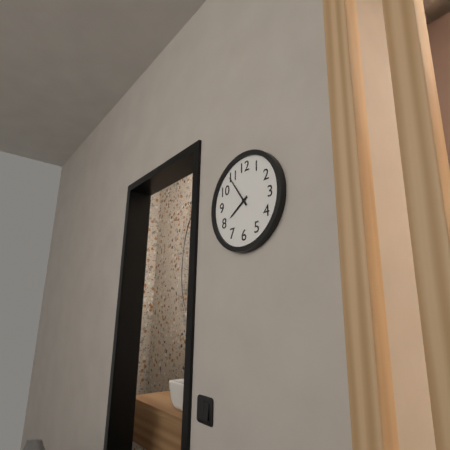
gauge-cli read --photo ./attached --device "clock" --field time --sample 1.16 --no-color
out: 7.54
